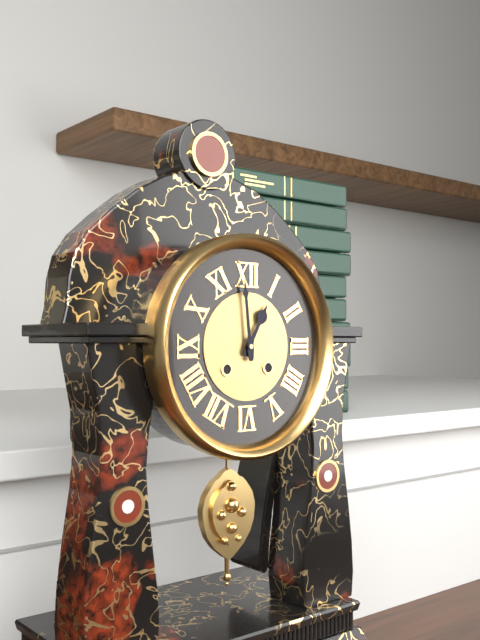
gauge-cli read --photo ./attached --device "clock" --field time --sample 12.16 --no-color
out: 12.59
